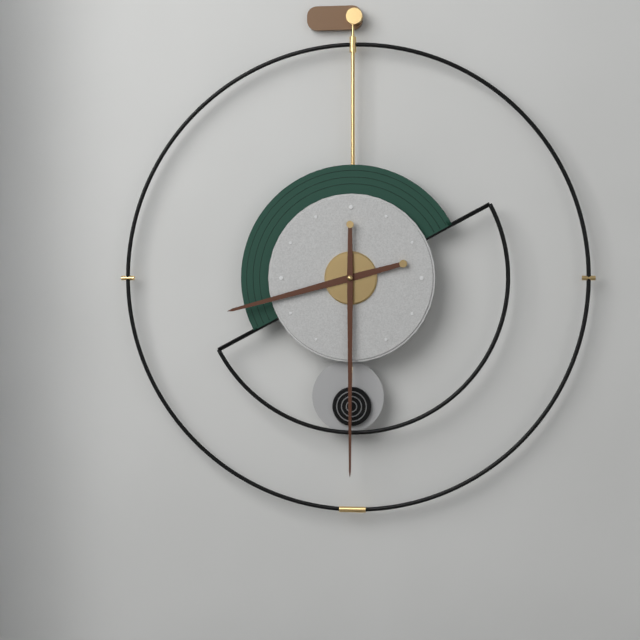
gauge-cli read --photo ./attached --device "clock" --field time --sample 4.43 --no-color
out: 8.30
